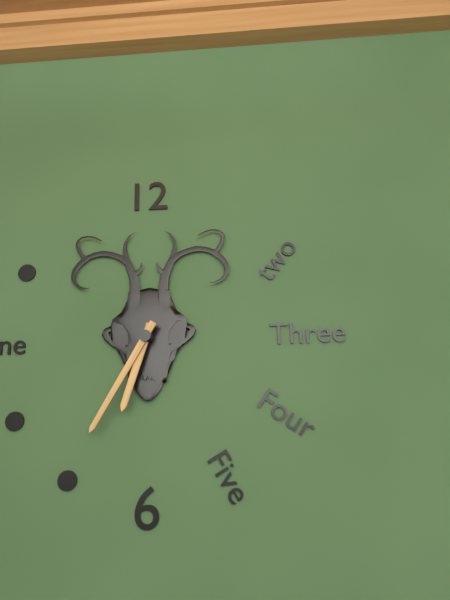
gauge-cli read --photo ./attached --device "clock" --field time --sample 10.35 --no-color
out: 6.35
